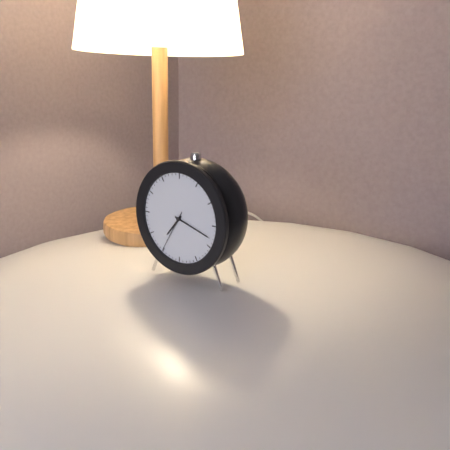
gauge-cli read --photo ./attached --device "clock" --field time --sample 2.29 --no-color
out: 7.18
